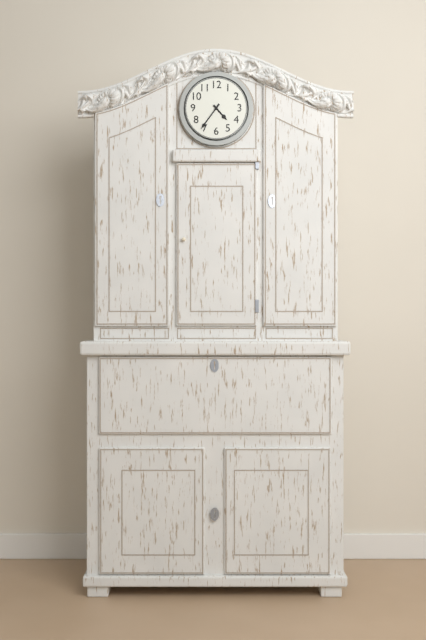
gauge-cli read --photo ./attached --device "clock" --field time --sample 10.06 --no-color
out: 4.36
